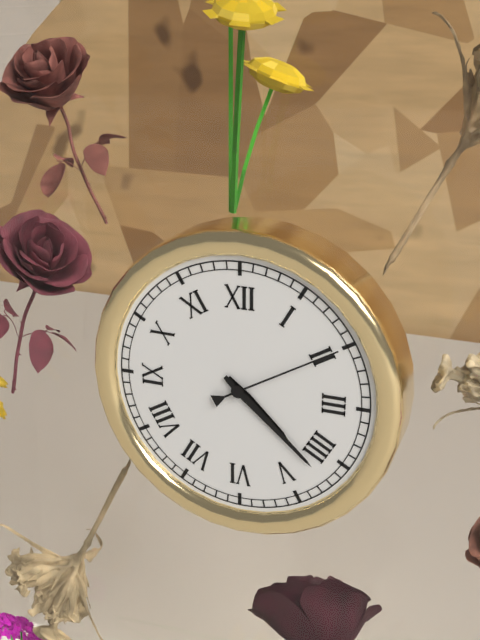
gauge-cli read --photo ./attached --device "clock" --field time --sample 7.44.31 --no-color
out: 4.22.10
